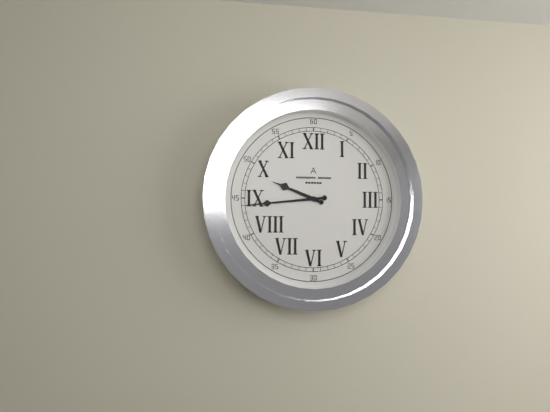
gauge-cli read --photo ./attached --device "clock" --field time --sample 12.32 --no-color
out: 9.44
